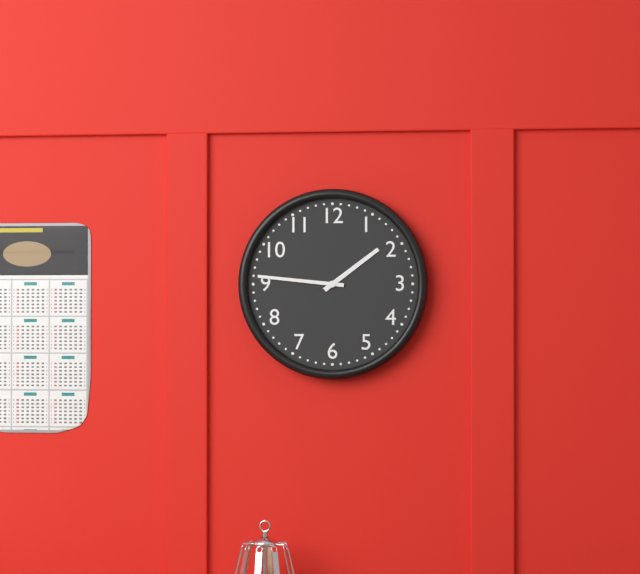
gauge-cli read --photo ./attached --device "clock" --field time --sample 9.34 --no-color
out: 1.46
